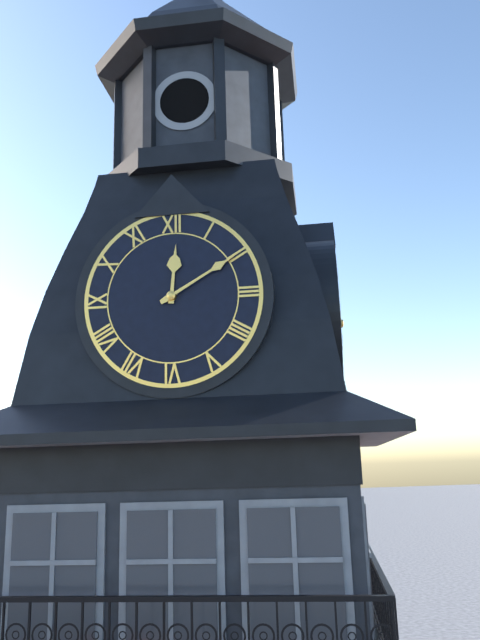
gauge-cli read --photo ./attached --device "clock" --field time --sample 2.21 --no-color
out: 12.10
